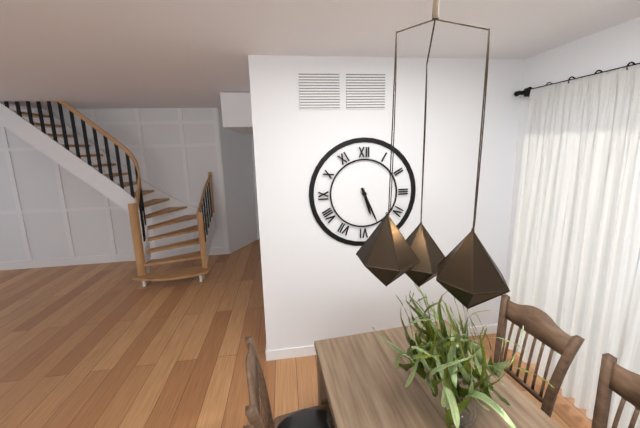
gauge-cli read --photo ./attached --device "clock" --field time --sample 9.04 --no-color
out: 5.26
